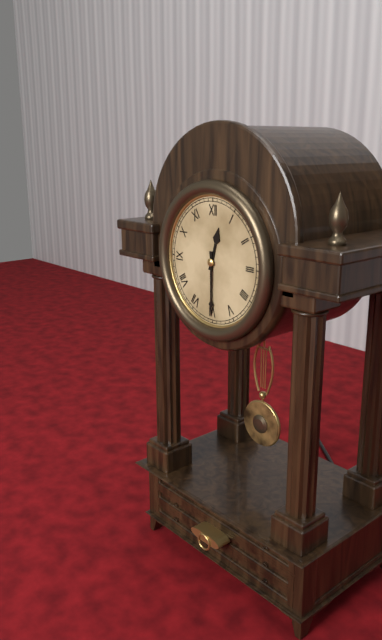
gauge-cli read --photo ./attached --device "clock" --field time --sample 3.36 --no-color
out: 12.30
